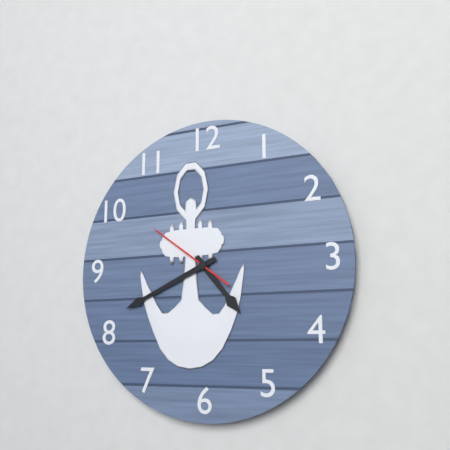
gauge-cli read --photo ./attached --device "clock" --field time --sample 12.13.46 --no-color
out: 4.41.51
